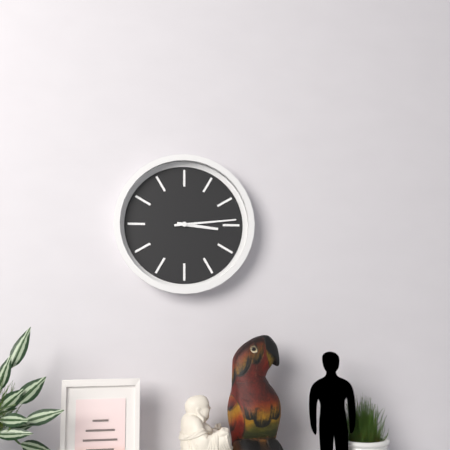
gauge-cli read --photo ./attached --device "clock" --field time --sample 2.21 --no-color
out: 3.14
